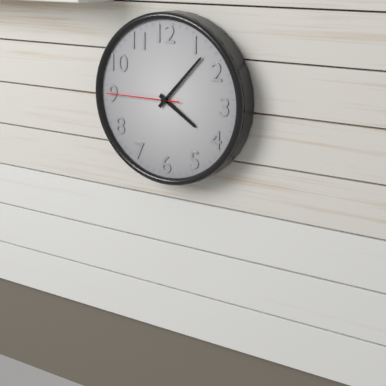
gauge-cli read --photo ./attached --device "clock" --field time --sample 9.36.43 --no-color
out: 4.07.45
